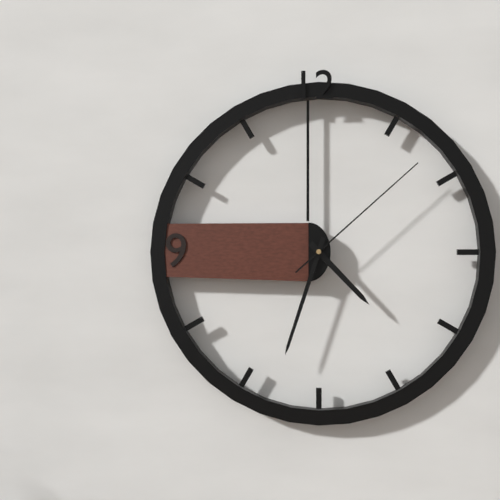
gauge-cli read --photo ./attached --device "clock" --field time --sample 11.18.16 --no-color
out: 4.33.08
